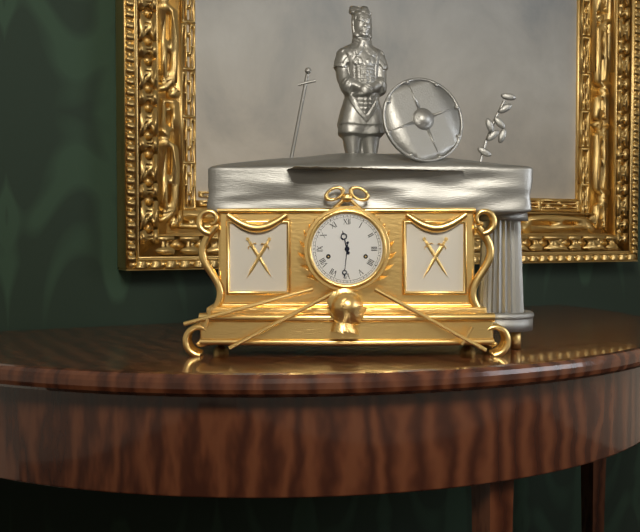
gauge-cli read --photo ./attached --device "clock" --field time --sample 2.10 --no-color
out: 11.31
